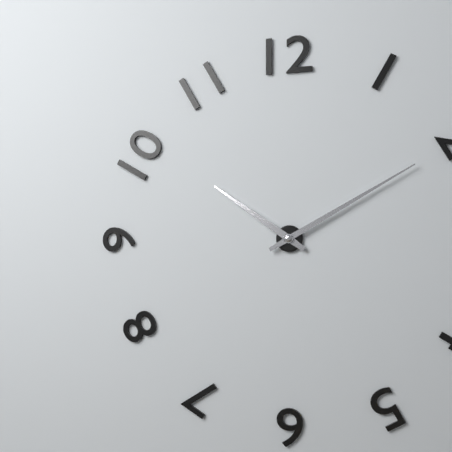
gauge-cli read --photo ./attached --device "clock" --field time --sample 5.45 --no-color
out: 10.10
